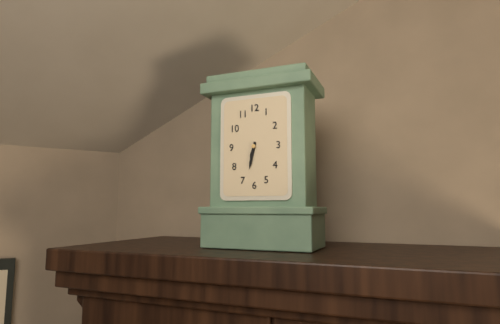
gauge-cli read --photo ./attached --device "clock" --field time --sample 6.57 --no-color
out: 6.32
